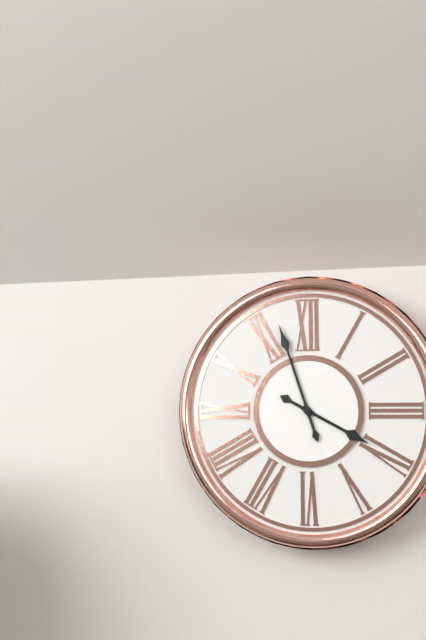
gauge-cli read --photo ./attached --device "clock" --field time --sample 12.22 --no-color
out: 3.57
